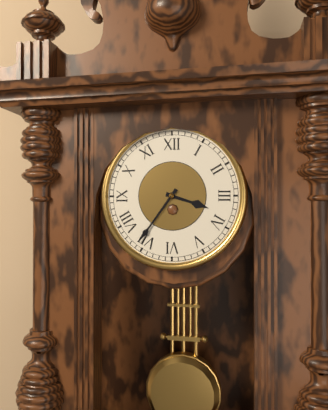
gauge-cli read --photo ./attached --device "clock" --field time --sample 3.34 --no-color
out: 3.36
